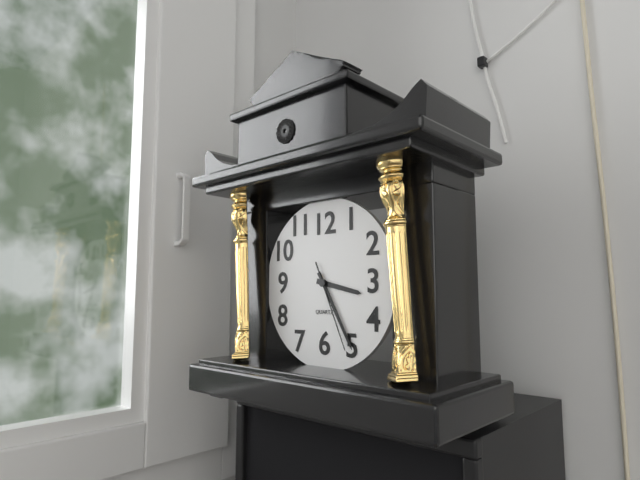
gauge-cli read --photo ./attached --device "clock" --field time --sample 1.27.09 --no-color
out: 3.25.26
